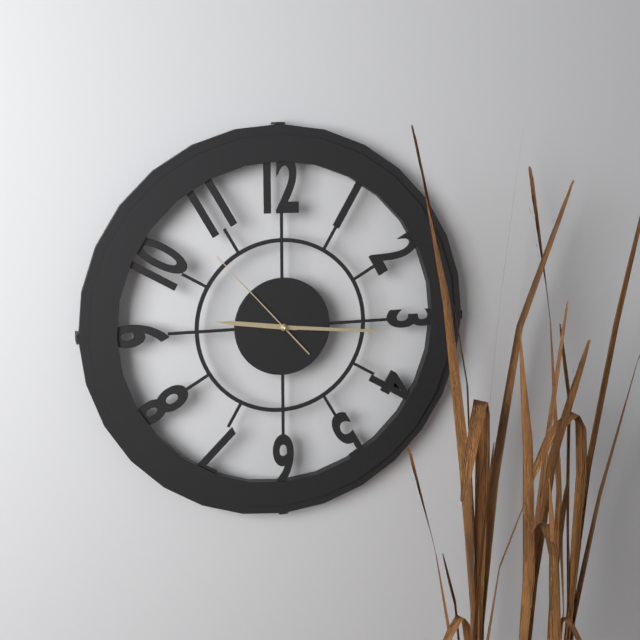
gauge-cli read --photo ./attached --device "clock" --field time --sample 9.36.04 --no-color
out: 9.16.53
